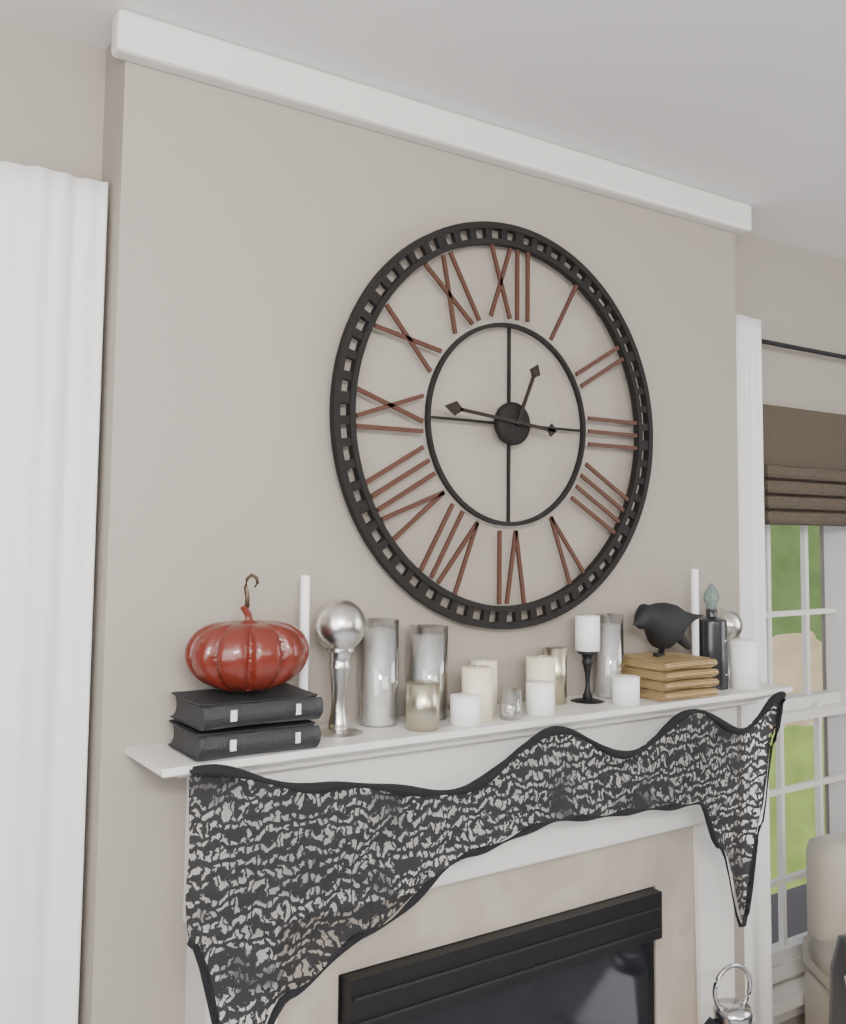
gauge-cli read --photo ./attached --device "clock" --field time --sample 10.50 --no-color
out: 12.46
